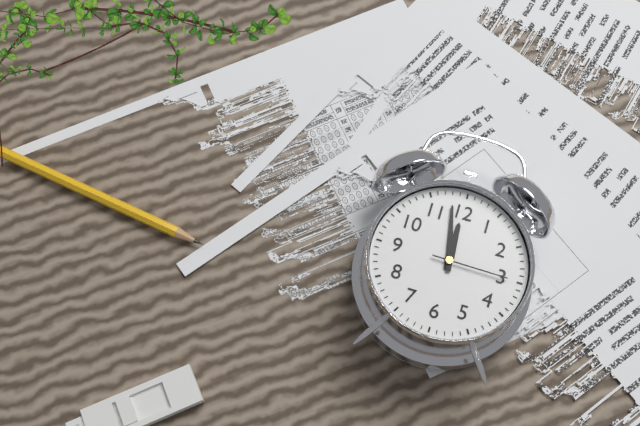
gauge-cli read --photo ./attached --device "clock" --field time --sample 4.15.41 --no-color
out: 11.58.15
